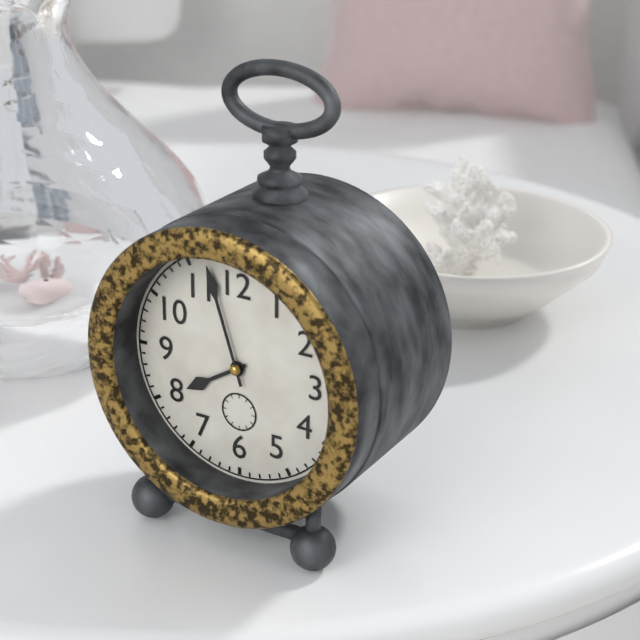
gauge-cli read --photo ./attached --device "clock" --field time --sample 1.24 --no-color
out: 7.57
